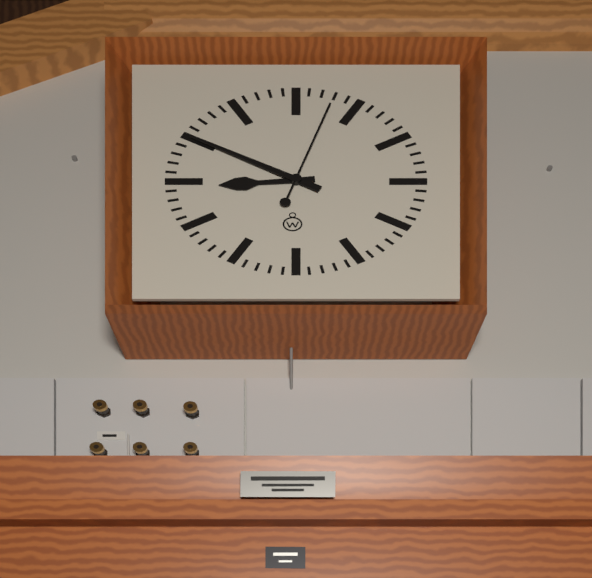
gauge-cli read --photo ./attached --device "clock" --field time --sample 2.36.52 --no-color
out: 8.50.03
